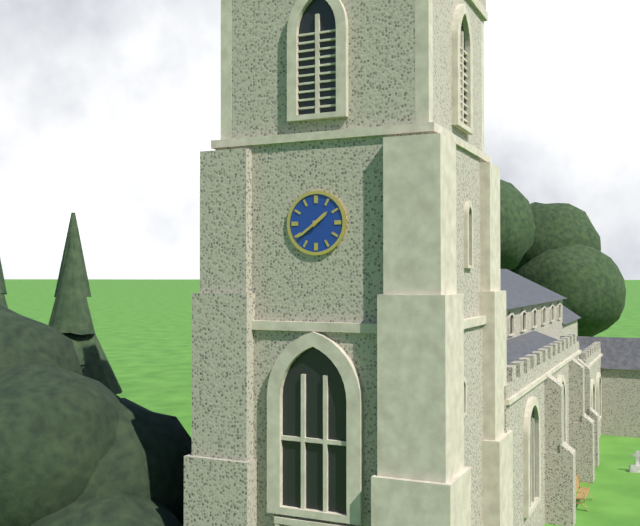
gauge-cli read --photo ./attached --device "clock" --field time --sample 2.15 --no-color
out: 1.39
